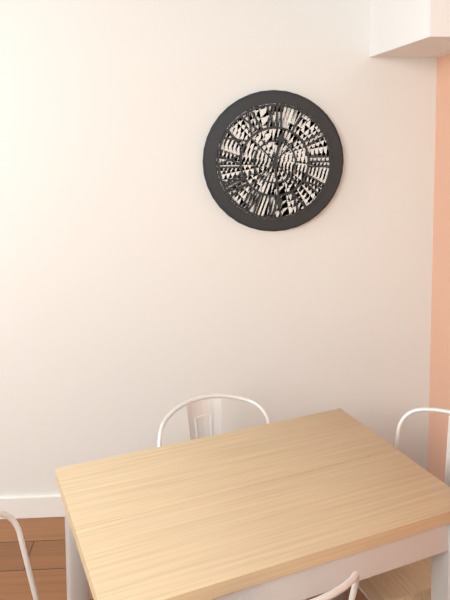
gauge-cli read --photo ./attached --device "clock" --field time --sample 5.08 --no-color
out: 12.29
